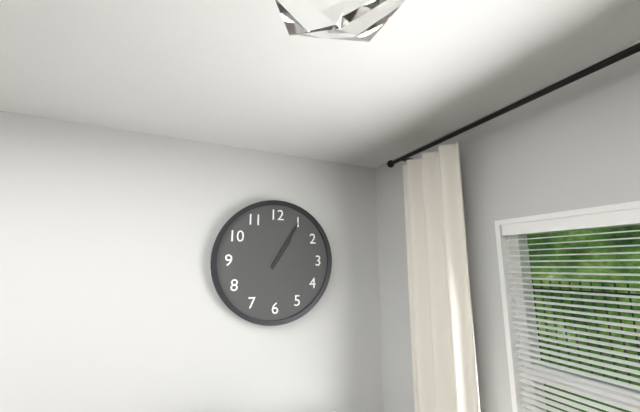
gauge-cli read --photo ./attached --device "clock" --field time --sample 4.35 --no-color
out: 1.05
